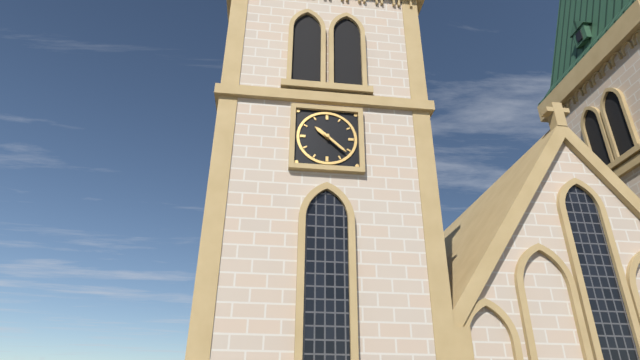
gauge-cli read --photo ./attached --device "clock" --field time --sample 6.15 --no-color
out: 10.22
